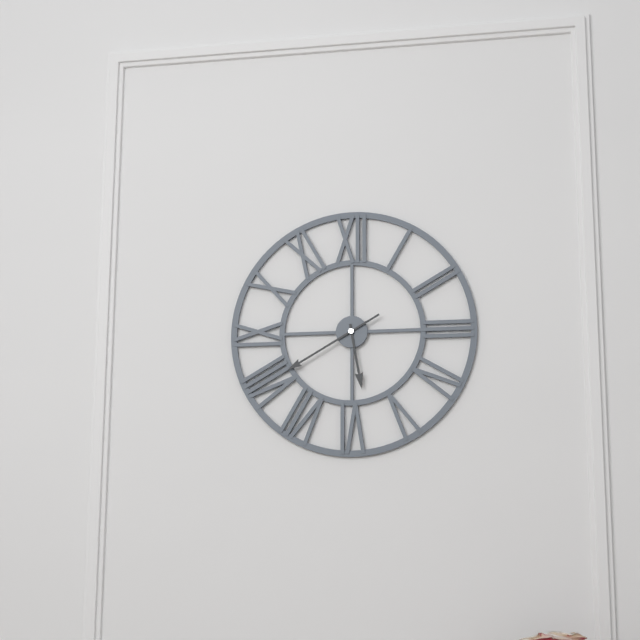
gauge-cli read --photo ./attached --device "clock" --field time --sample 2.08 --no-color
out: 5.40
